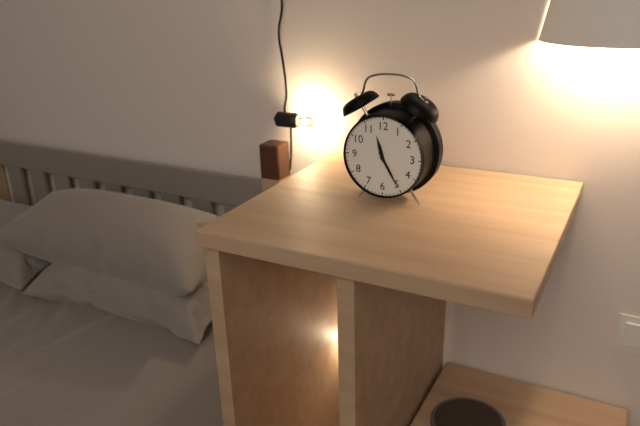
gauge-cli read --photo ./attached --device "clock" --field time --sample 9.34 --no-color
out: 11.25
